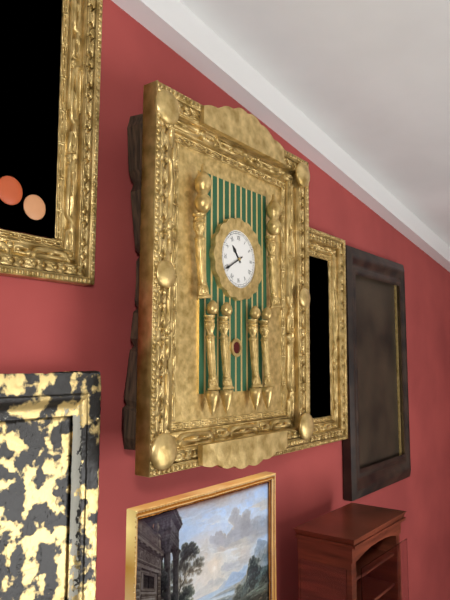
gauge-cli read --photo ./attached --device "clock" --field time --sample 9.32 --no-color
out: 10.40
